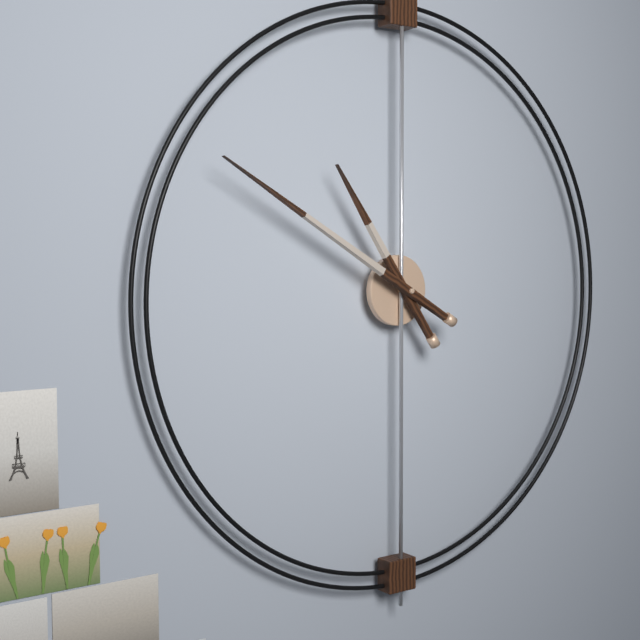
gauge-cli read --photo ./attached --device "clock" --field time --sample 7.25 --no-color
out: 10.50
